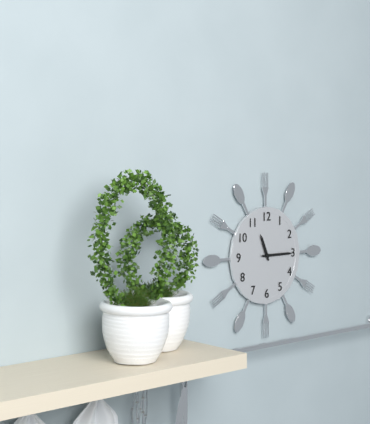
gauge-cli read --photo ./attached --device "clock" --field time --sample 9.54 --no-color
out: 11.15
